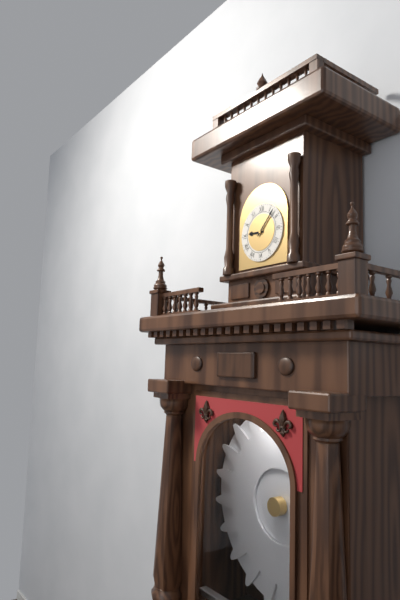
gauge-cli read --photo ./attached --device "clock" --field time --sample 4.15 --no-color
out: 9.07
